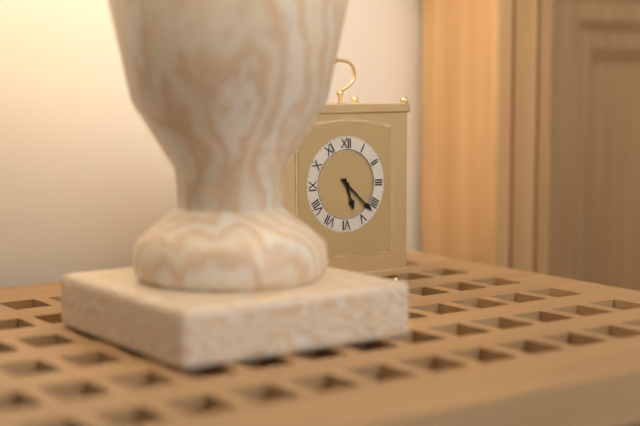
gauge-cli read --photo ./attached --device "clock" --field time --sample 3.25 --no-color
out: 5.22
